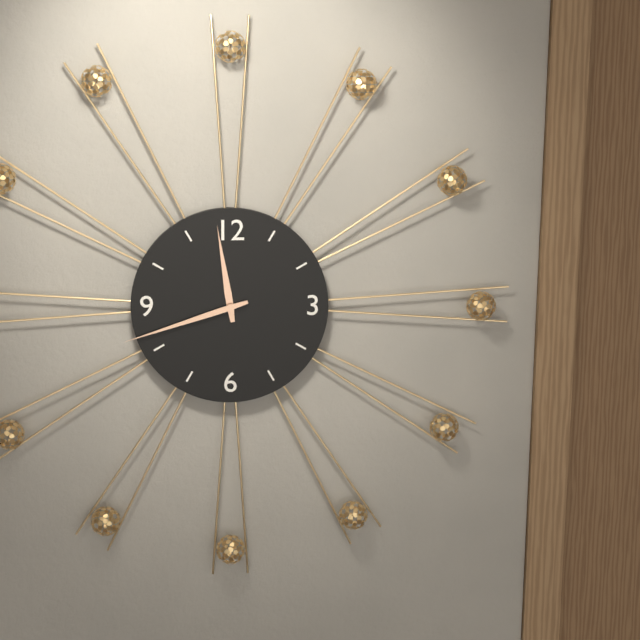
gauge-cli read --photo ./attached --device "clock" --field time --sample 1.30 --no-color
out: 11.42
